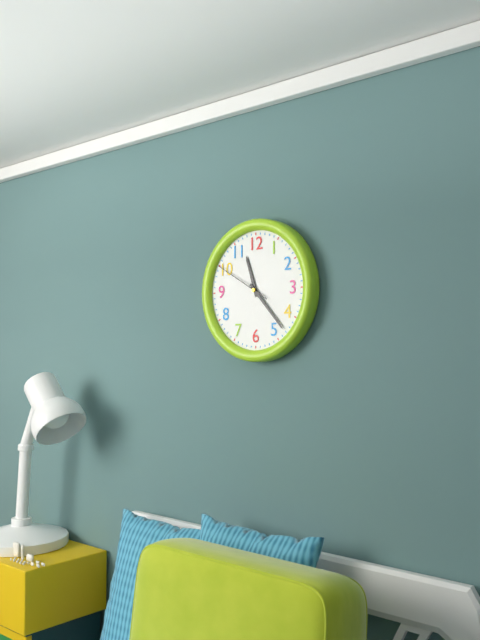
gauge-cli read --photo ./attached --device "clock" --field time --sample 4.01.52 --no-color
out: 11.23.50
